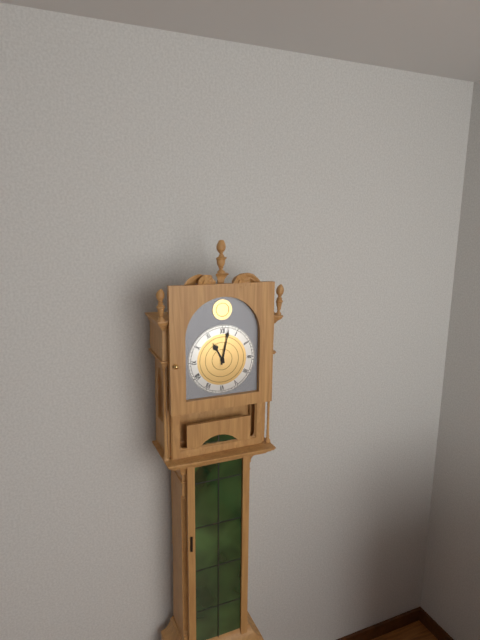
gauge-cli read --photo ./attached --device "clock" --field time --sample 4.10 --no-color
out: 11.02
